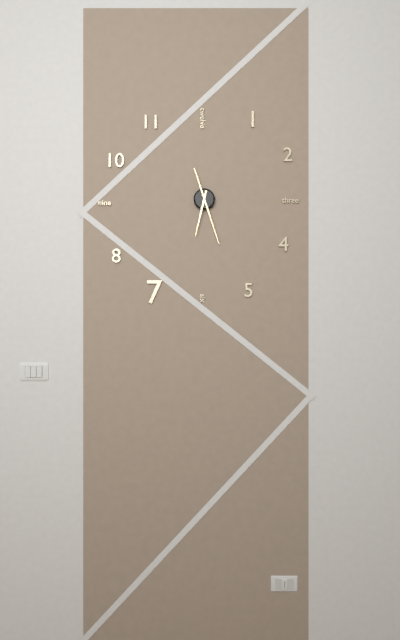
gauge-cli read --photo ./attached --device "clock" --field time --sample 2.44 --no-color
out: 6.27
